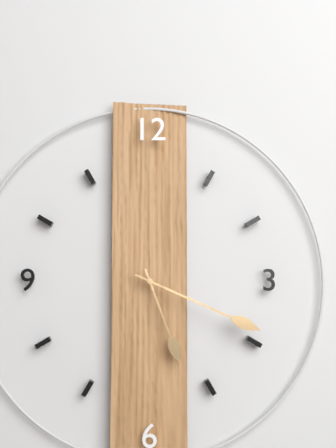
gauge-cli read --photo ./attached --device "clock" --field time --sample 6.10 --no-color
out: 5.19
